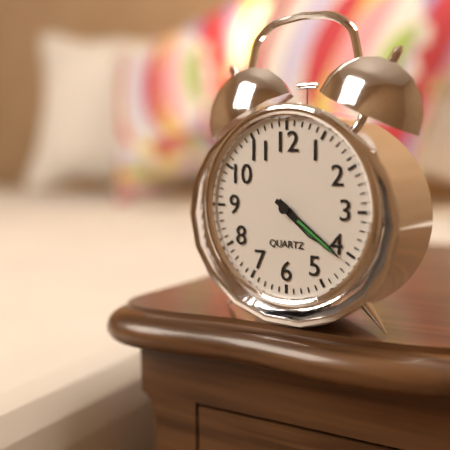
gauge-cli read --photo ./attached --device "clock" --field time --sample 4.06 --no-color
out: 4.21
